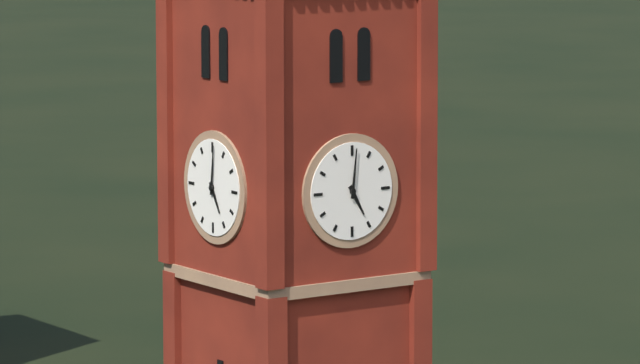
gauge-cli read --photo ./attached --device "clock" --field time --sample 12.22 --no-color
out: 5.01
